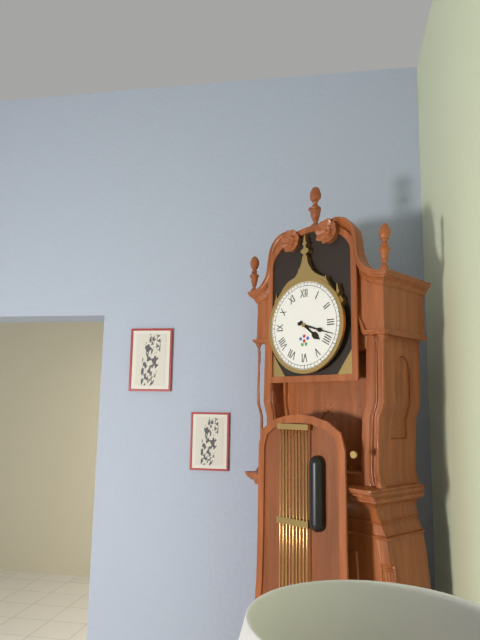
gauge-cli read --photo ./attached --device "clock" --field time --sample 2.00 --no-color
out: 4.18
